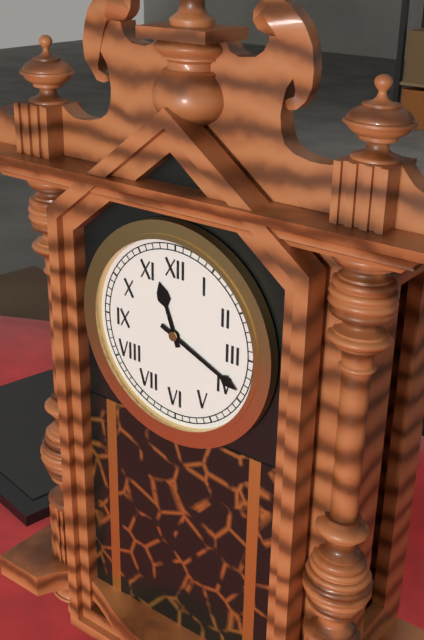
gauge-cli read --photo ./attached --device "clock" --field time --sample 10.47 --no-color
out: 11.19
